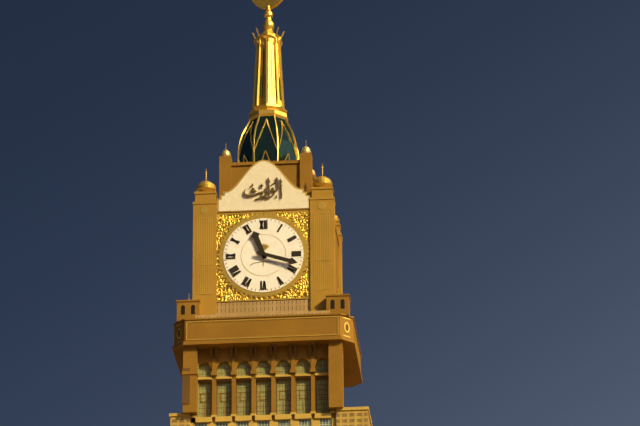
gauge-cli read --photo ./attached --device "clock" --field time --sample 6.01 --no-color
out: 11.18
